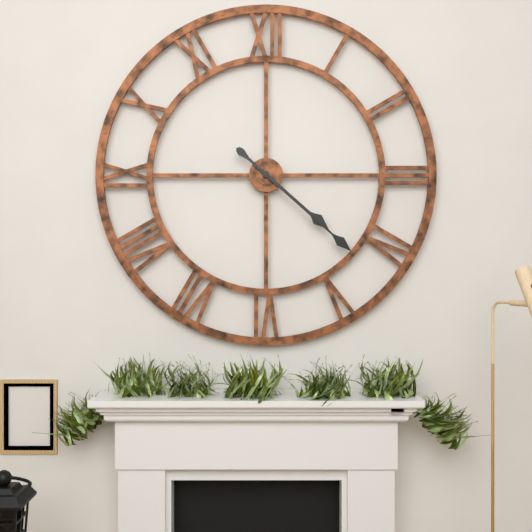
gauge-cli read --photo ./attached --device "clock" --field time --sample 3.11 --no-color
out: 4.22
